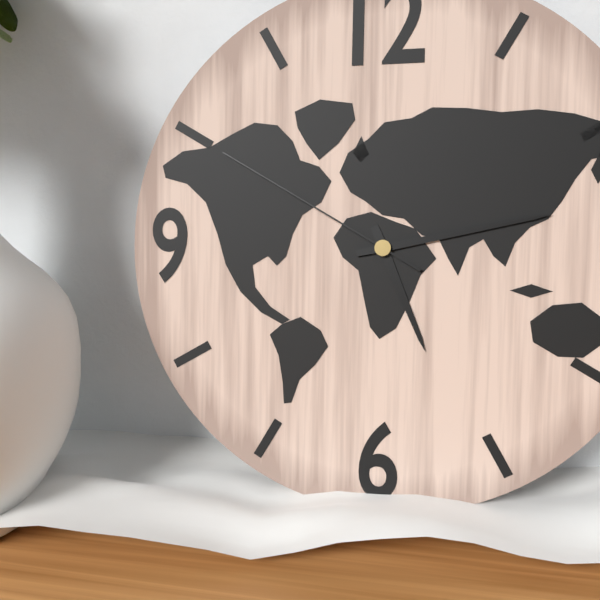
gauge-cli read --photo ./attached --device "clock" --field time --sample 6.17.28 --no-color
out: 5.13.50
